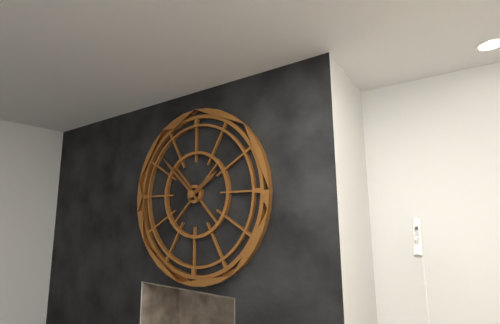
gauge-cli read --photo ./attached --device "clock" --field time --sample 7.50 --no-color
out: 1.52
